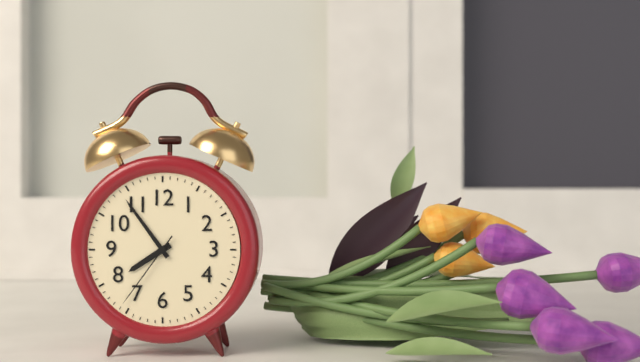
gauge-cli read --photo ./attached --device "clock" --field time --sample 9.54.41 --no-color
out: 7.54.36
